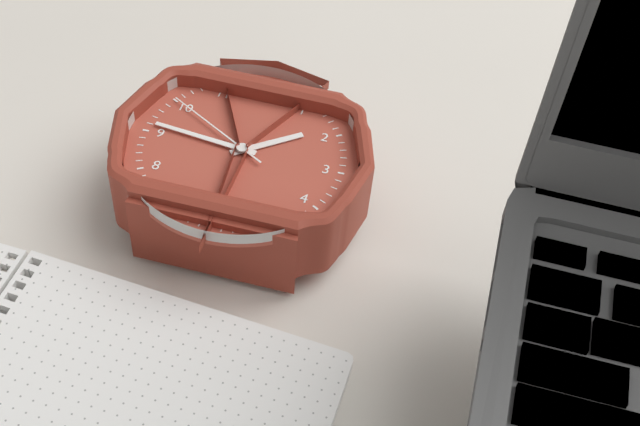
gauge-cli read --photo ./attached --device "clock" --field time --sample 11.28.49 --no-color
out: 1.46.50
